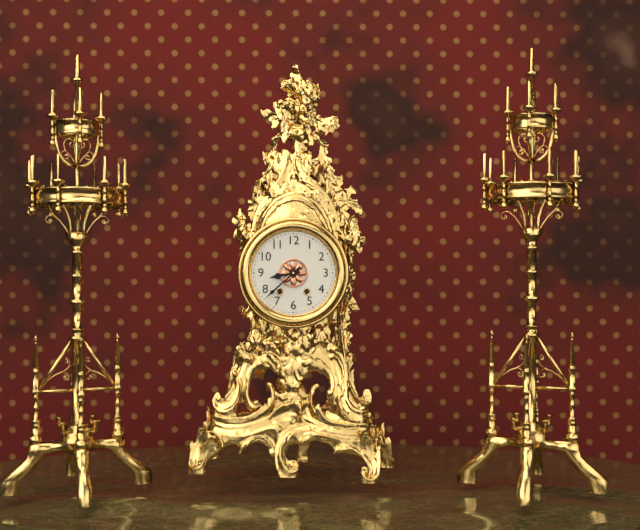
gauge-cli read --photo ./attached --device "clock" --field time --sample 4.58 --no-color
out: 8.38
